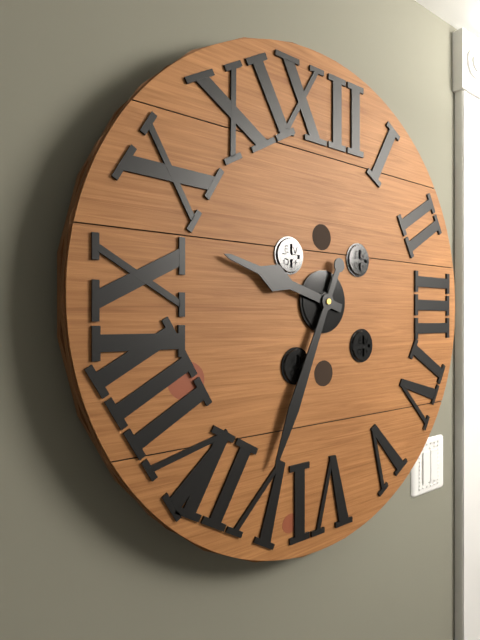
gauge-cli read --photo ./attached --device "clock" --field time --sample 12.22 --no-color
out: 9.34
